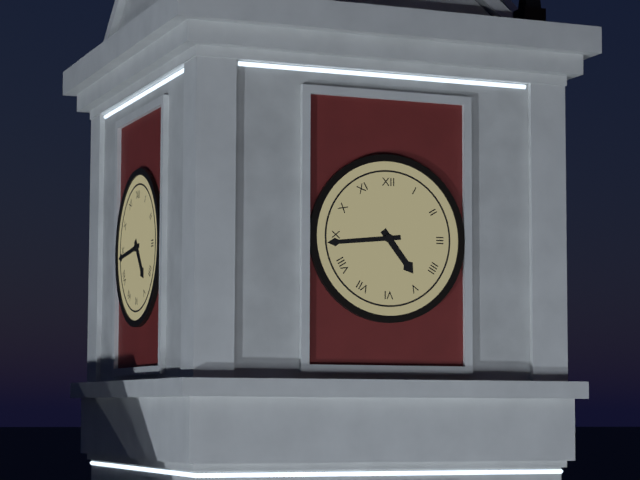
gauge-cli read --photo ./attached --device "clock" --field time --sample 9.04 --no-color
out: 4.44
